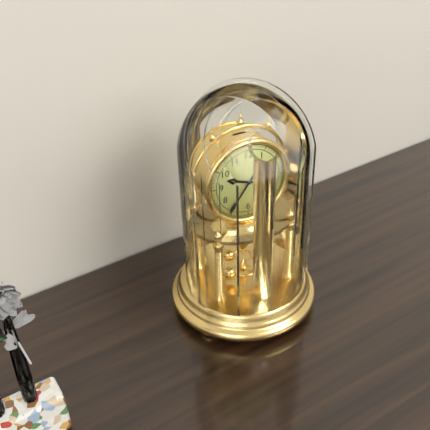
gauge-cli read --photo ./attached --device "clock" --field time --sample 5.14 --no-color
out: 9.36
